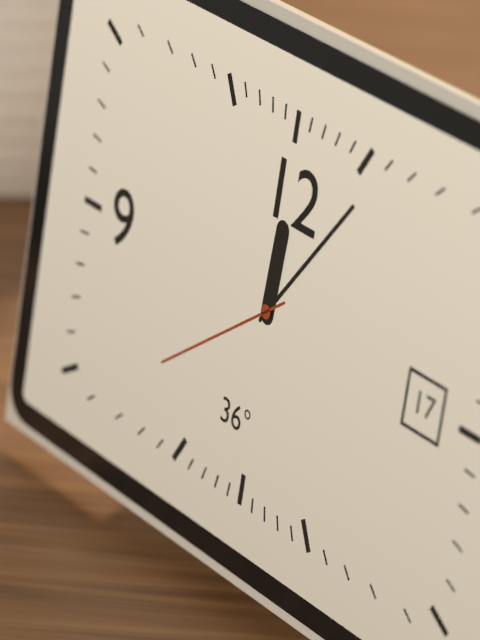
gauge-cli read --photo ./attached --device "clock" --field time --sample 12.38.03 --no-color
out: 12.06.39
